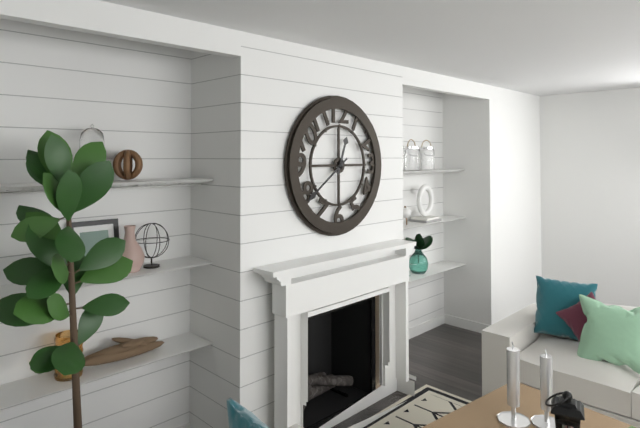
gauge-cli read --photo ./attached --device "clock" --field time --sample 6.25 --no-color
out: 12.39
